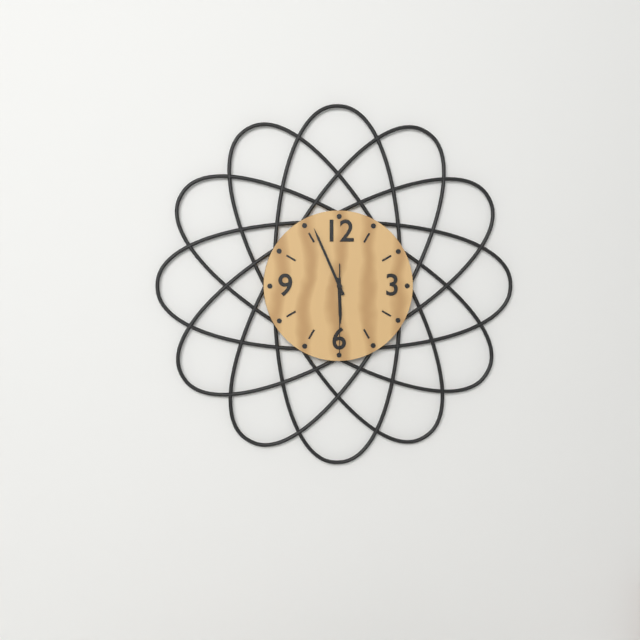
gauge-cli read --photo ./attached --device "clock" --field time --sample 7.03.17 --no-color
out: 5.56.30
